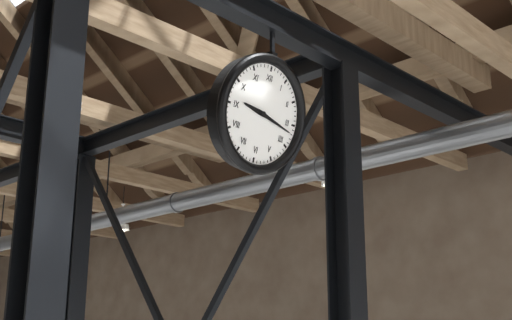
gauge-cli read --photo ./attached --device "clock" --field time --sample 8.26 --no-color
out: 9.17
